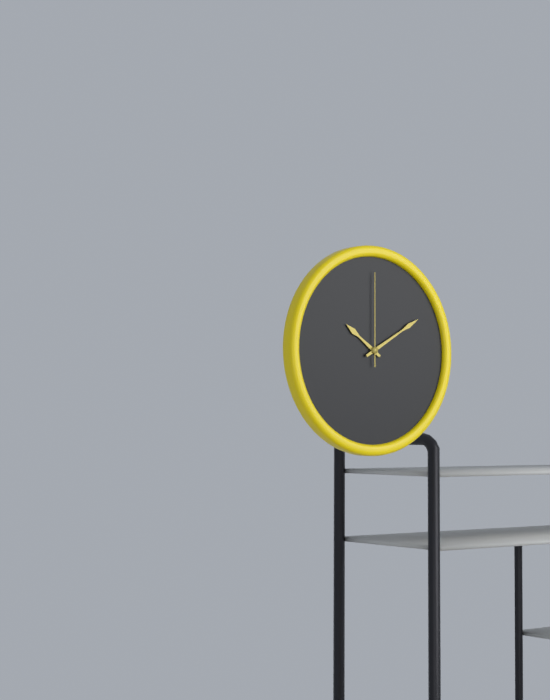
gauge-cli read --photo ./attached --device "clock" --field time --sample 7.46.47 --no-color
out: 10.10.00
